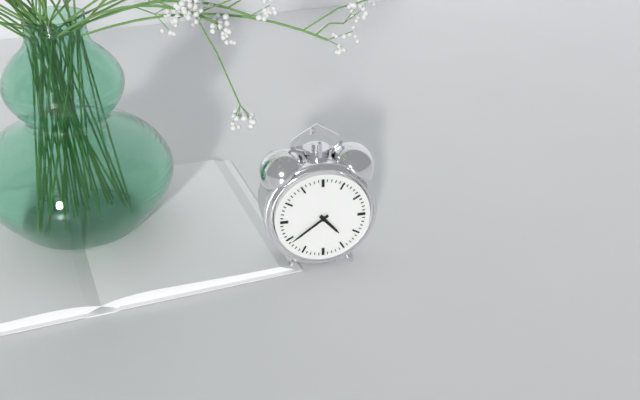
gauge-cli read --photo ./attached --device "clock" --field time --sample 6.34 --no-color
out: 4.39
